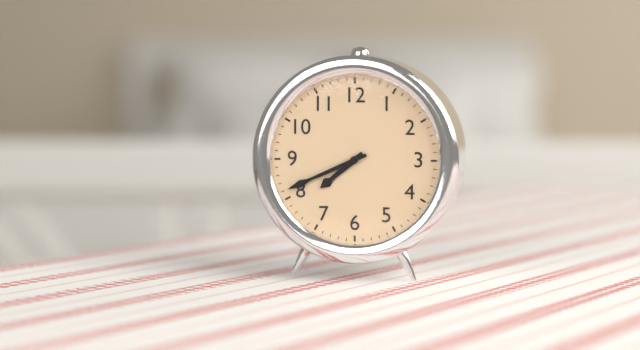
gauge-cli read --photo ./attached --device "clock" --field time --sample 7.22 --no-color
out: 7.41
